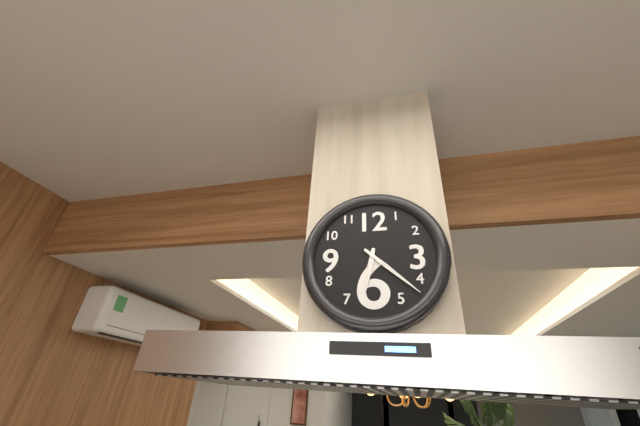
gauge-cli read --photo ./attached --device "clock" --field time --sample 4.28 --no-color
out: 6.22
